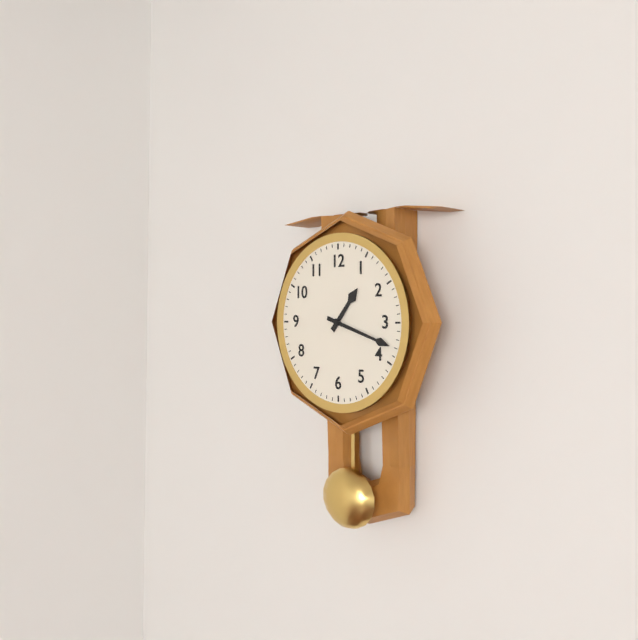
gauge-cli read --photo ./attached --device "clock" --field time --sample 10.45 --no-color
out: 1.18
